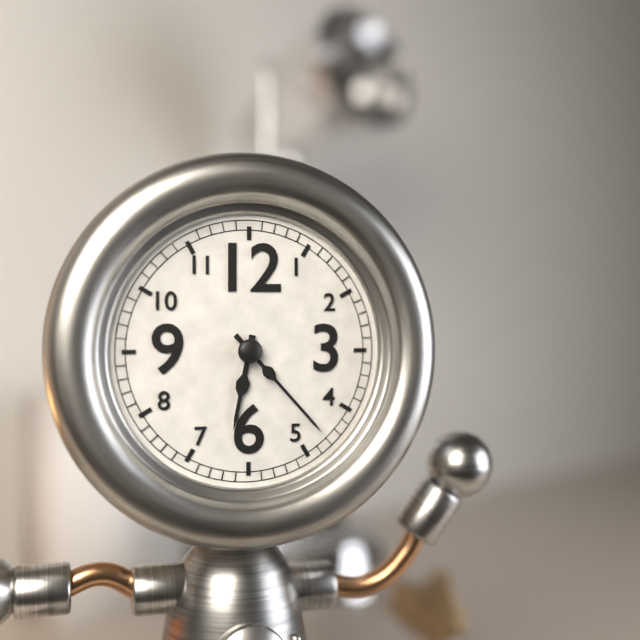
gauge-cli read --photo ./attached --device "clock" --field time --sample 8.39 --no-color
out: 6.23
